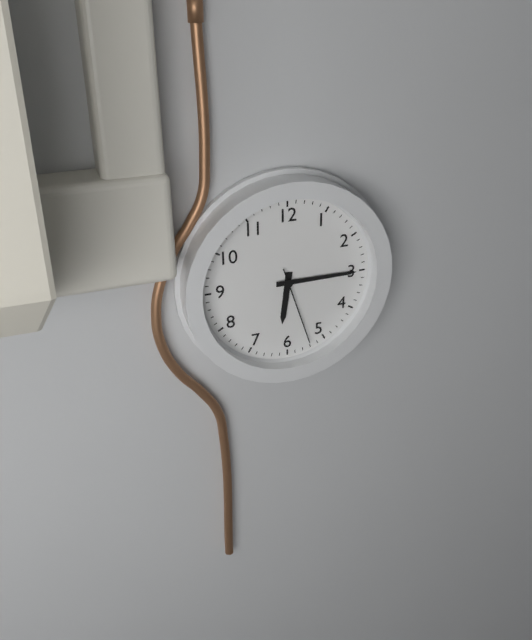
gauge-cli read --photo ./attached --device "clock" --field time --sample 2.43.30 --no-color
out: 6.15.27
